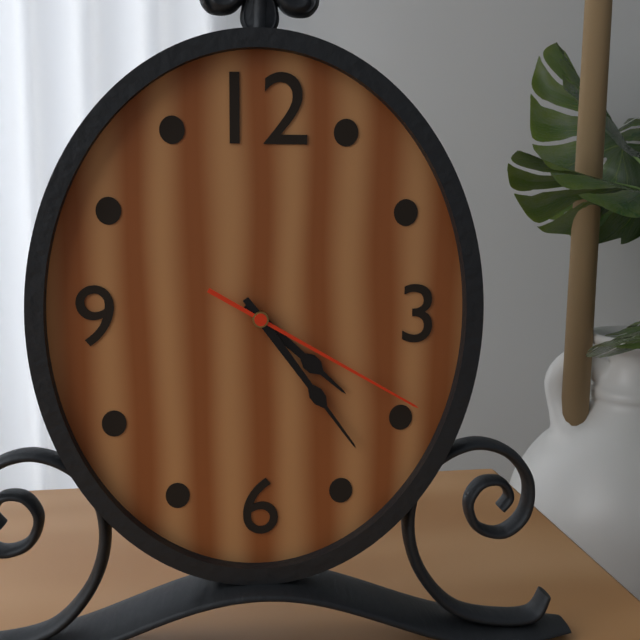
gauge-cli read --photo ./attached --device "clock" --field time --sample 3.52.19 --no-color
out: 4.24.20
